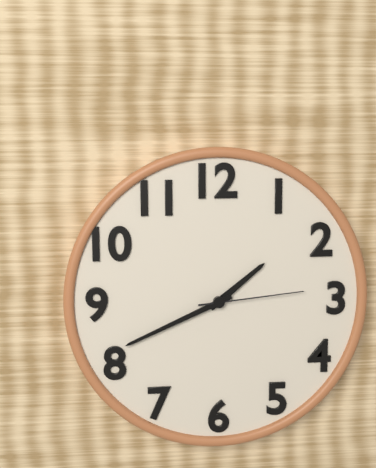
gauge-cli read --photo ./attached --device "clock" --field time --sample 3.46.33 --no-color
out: 1.41.14
